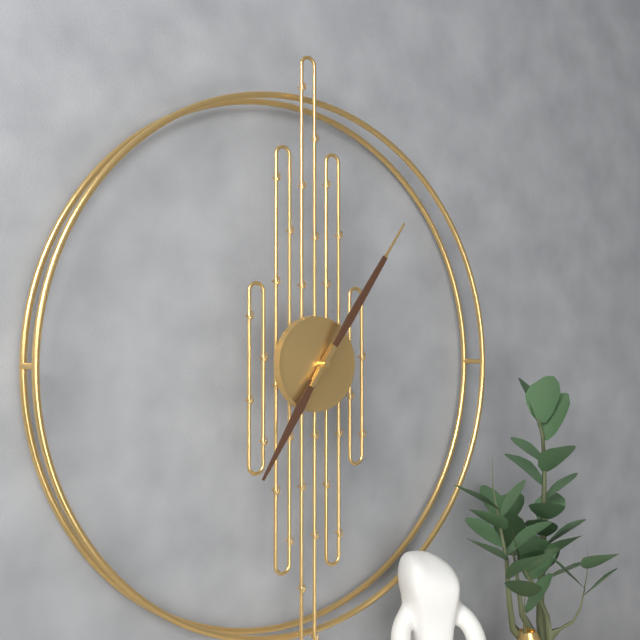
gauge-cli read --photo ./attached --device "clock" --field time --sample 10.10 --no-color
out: 7.06
